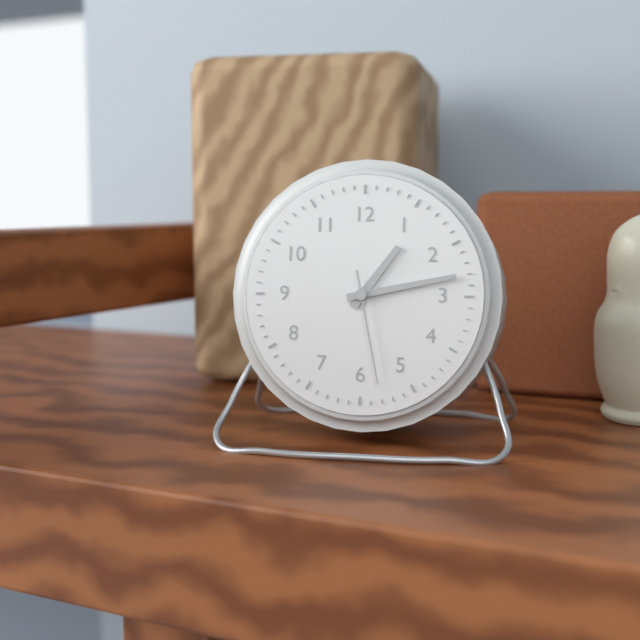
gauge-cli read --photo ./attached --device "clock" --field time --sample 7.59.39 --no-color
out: 1.13.28
